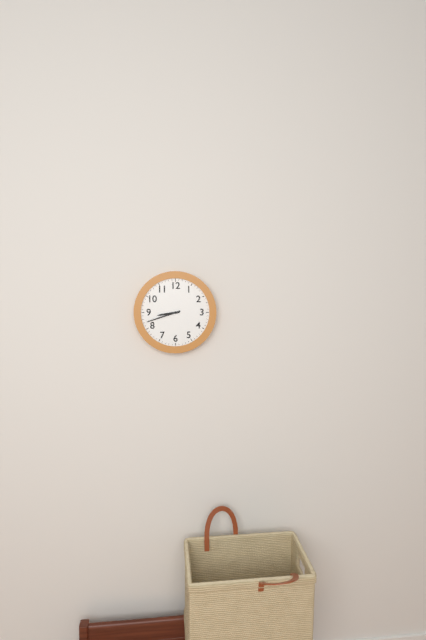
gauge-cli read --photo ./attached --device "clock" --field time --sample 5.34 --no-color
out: 8.42
